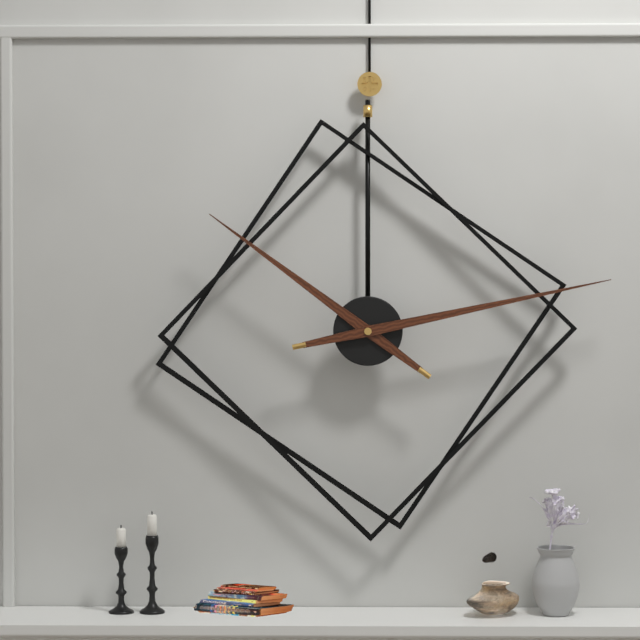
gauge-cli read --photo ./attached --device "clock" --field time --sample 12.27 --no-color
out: 10.13
